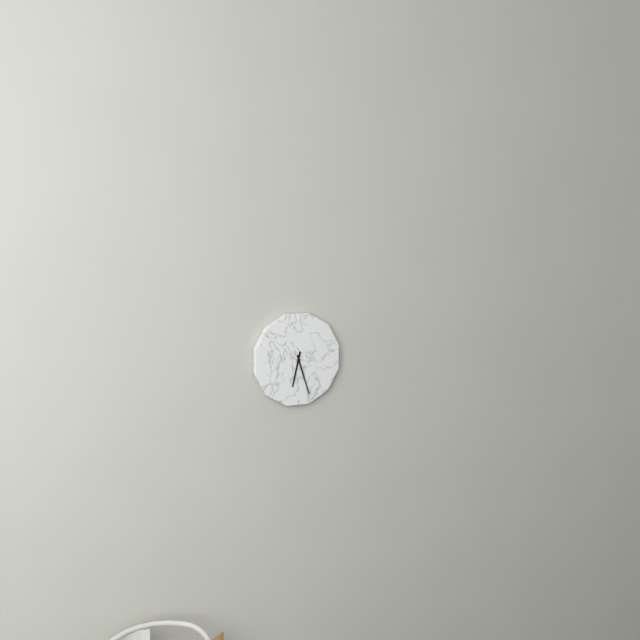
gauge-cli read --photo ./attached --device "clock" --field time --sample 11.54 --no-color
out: 6.27
